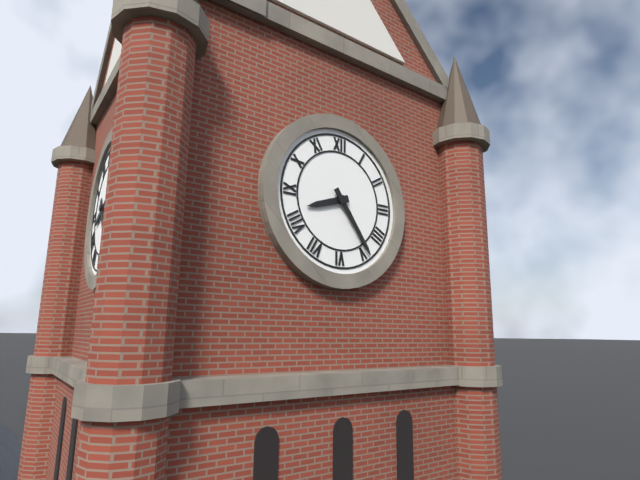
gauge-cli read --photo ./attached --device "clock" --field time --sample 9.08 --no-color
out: 8.24
